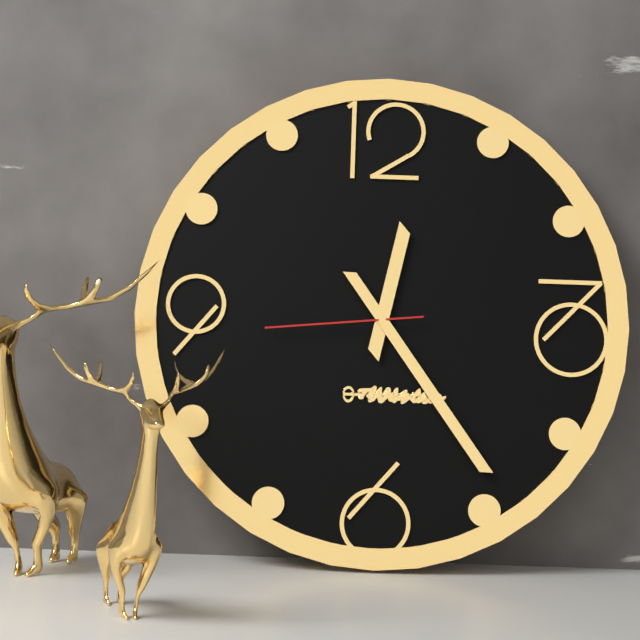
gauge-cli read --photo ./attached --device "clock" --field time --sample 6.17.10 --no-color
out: 12.24.44
